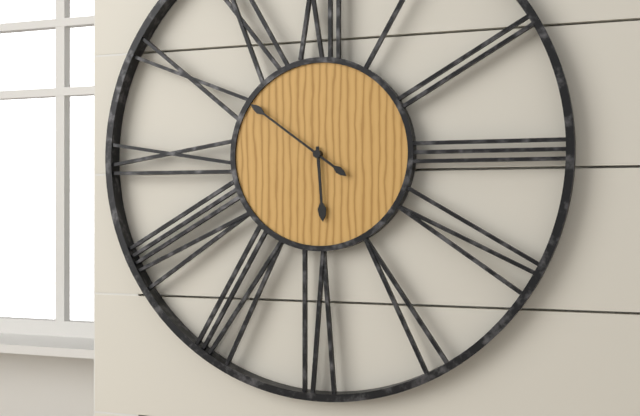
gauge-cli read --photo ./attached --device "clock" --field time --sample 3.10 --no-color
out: 5.51
